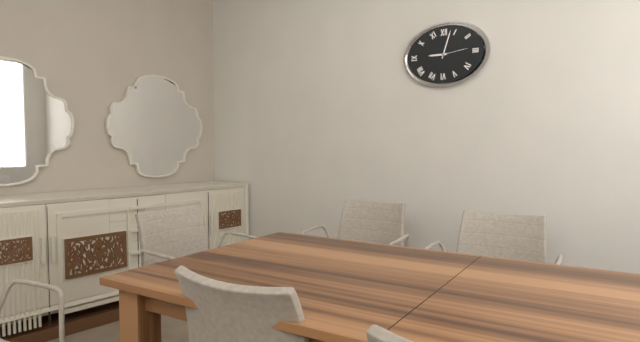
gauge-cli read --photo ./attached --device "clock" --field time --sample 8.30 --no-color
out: 9.03
